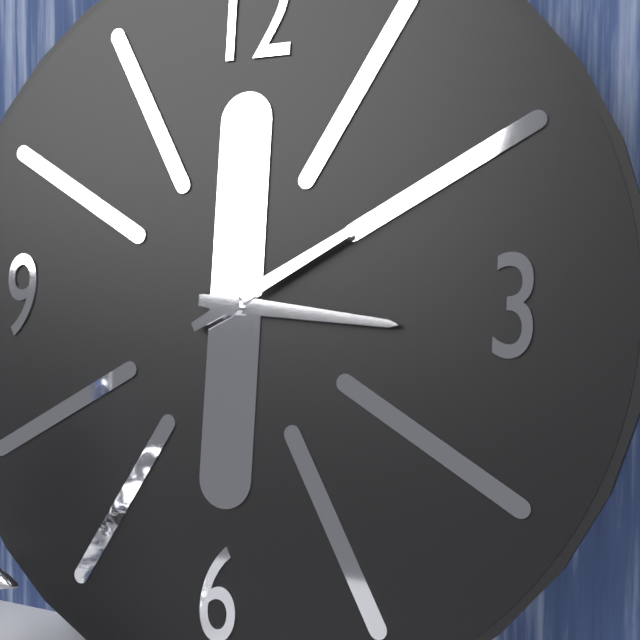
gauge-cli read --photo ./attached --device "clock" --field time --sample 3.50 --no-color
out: 3.10
